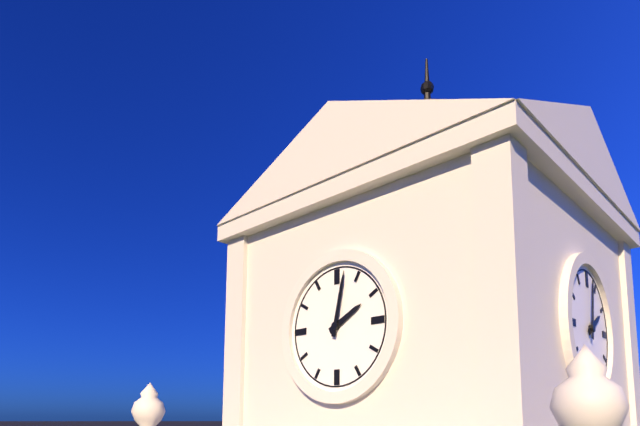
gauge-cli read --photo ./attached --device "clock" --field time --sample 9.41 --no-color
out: 2.02
